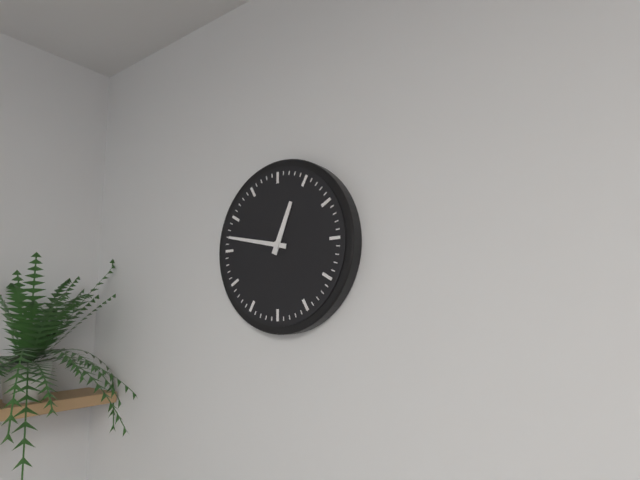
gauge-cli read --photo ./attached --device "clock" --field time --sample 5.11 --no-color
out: 12.47
